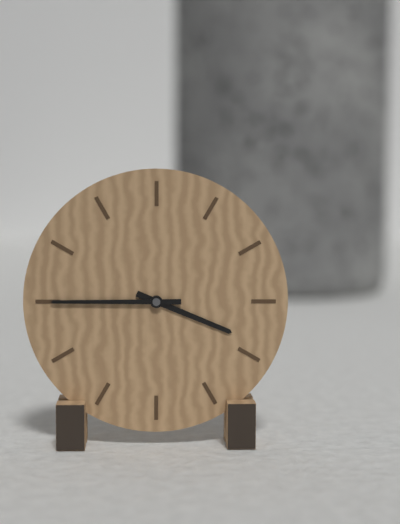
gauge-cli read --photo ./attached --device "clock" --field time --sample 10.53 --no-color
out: 3.45
